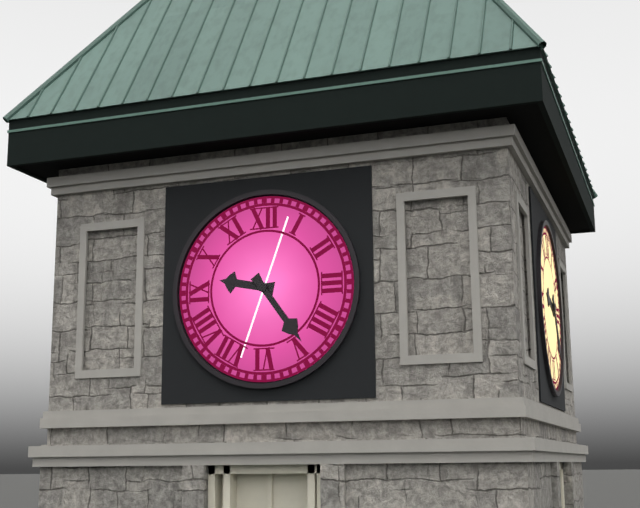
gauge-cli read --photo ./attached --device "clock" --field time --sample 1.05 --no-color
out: 9.24
